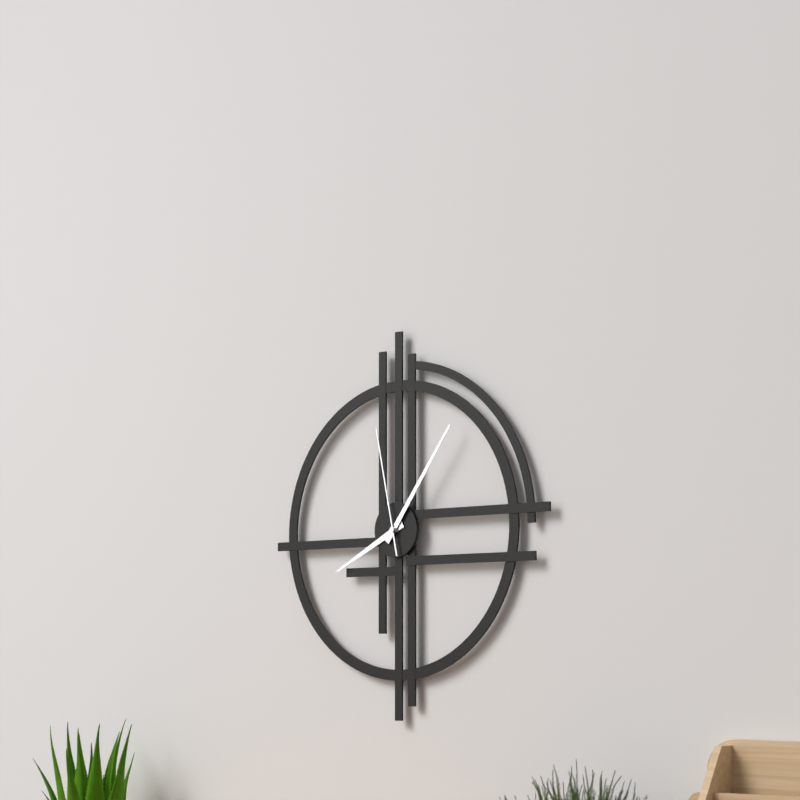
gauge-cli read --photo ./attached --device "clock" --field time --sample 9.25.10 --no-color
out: 8.06.58
